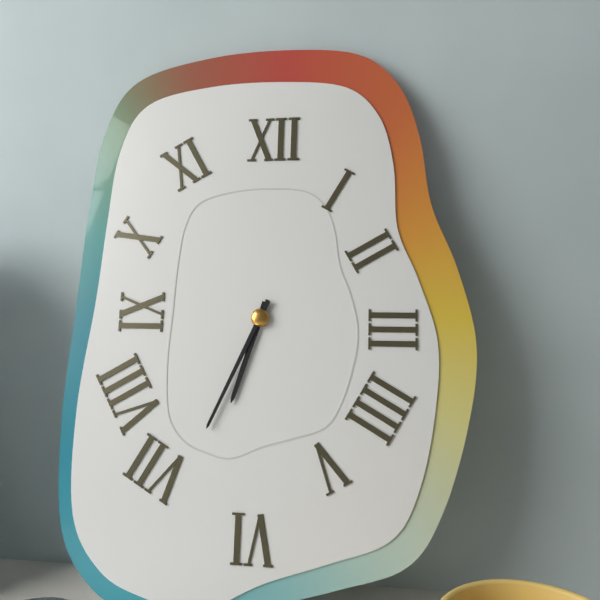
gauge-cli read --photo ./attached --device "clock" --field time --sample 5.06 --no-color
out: 6.34
